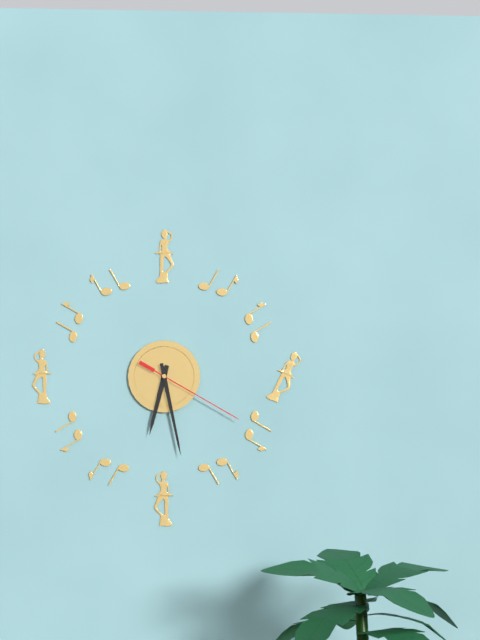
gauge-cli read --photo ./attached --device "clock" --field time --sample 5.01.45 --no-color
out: 6.28.20
